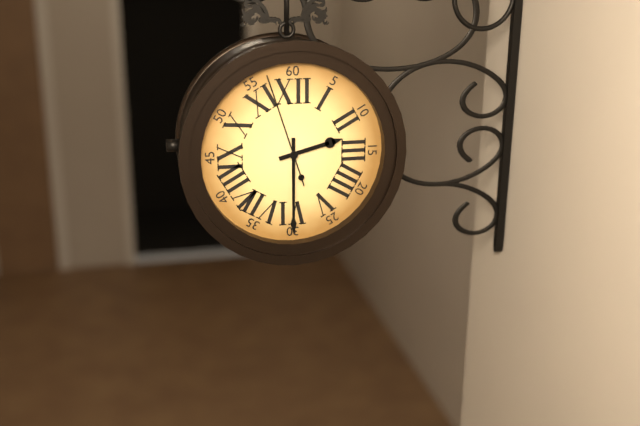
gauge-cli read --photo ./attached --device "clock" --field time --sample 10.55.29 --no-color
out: 2.30.57
